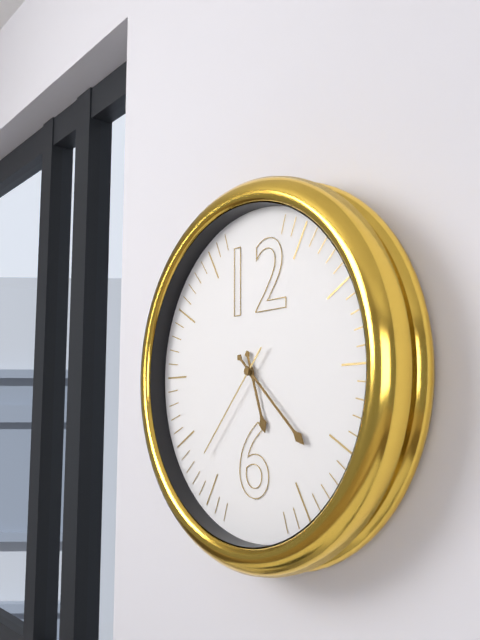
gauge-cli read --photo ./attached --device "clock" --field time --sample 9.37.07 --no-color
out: 5.22.37
